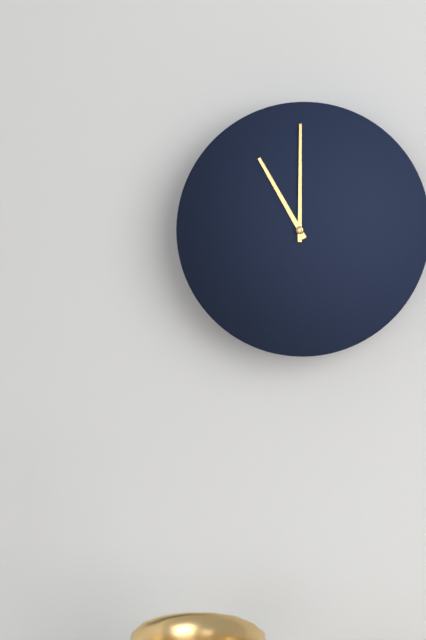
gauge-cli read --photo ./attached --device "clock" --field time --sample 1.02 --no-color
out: 11.00
